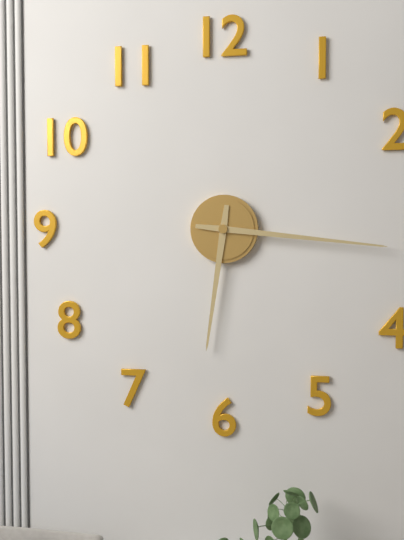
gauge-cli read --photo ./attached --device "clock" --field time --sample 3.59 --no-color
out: 6.16
